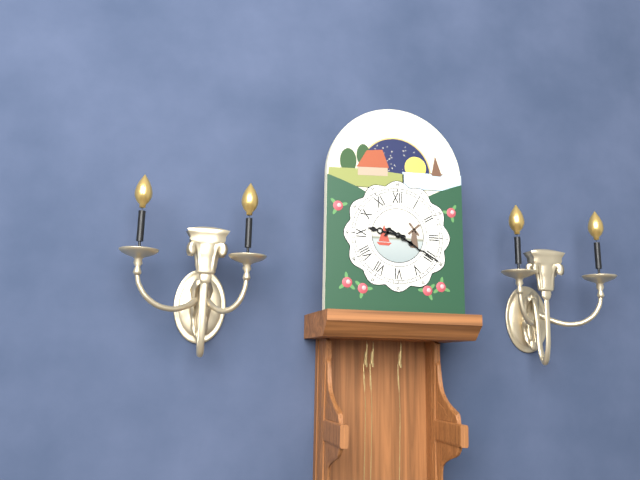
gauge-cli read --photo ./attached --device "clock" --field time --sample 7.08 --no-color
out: 9.20
